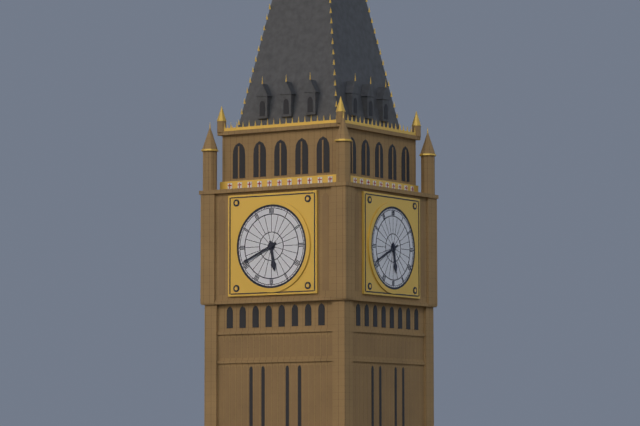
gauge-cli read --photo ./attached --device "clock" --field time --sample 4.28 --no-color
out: 5.41
